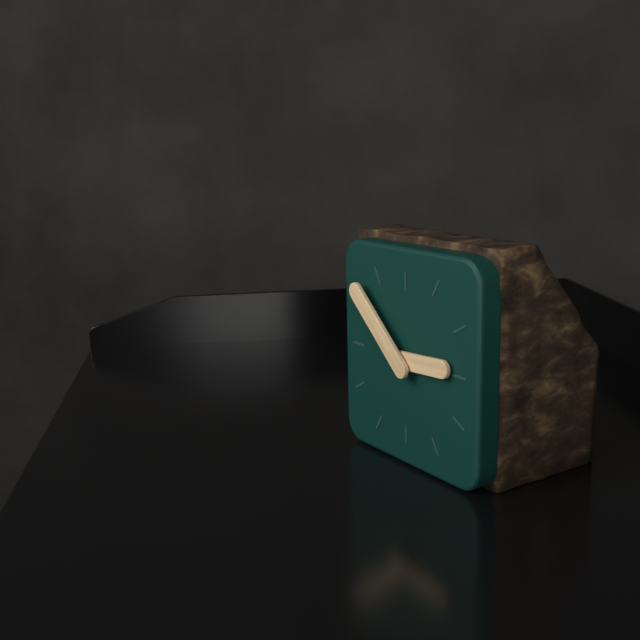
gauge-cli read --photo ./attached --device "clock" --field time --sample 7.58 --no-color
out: 2.52
